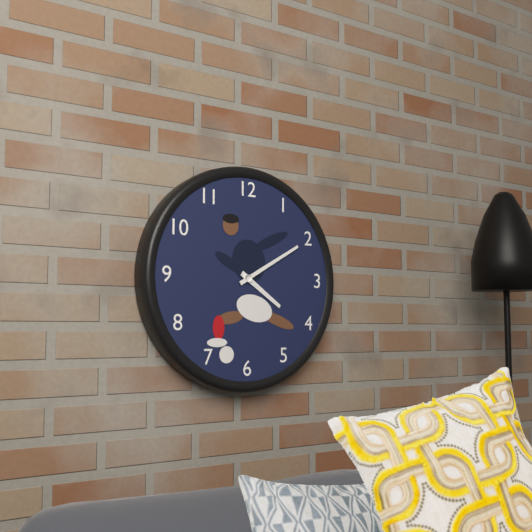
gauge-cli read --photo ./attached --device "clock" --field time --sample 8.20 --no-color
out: 4.10
